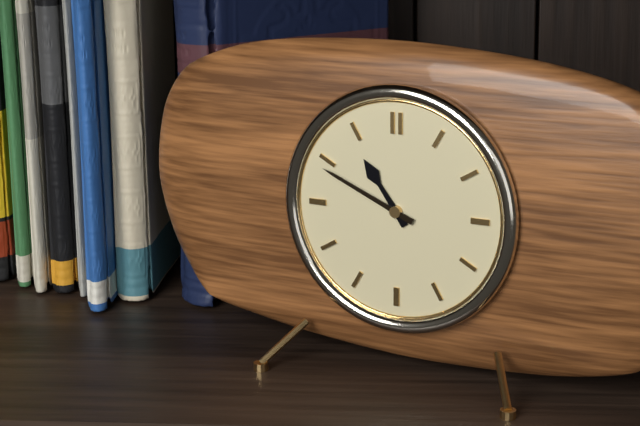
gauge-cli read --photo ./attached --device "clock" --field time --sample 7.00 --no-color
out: 10.49
